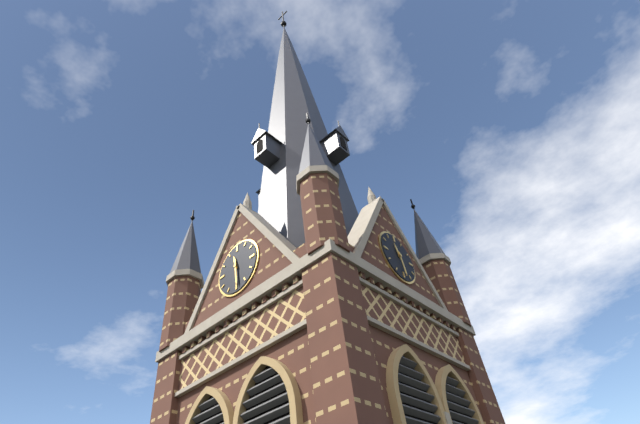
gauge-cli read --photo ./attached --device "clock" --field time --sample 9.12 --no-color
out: 11.29
